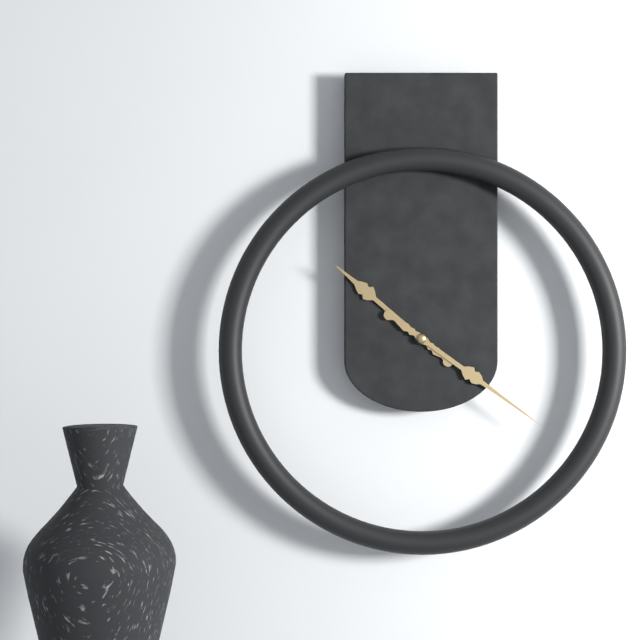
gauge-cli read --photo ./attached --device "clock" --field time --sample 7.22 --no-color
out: 10.21
